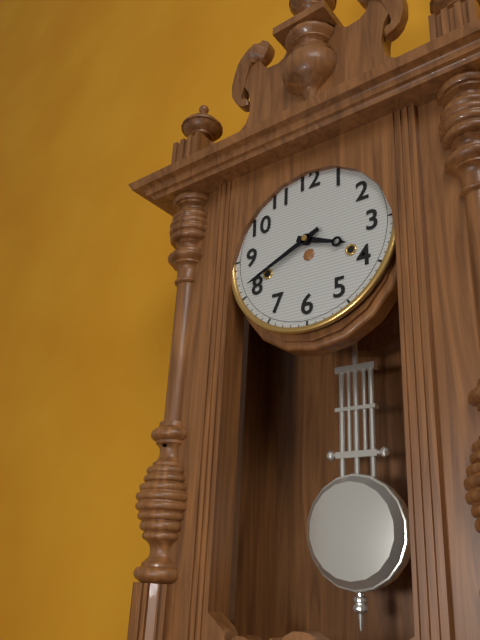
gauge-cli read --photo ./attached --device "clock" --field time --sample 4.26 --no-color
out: 3.41
